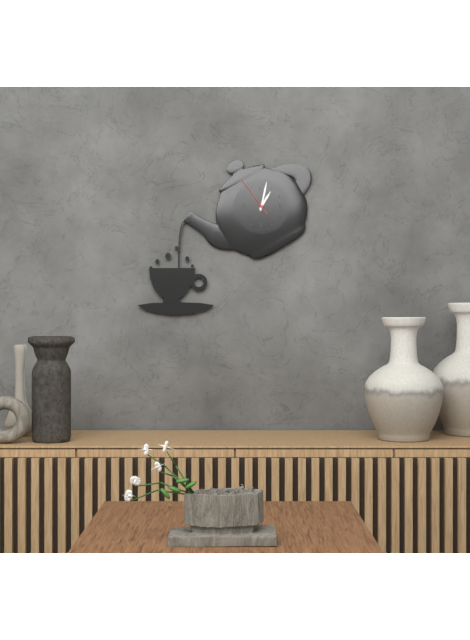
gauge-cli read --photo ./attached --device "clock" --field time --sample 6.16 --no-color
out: 1.02
